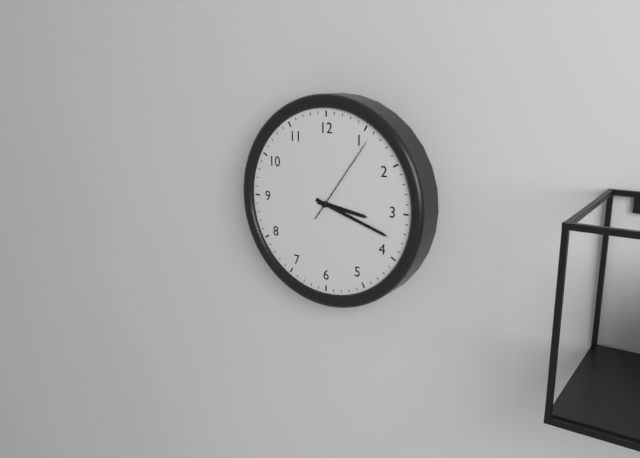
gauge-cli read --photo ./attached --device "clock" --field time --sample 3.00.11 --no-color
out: 3.18.06
